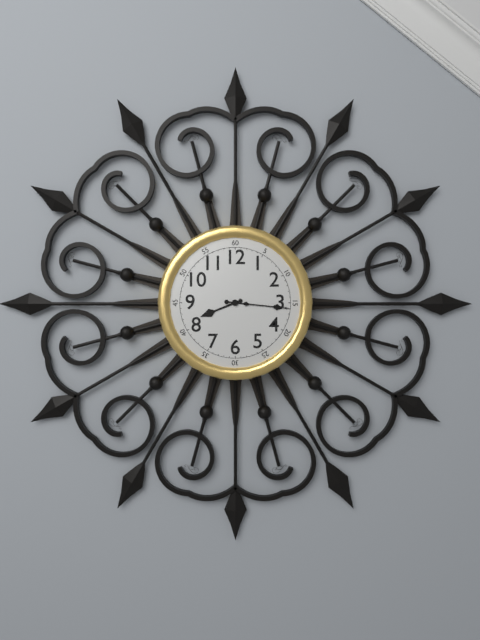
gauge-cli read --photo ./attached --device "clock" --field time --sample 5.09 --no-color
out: 8.16
